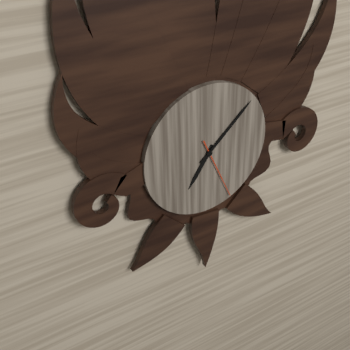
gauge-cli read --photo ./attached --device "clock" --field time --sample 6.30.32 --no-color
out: 7.08.26
